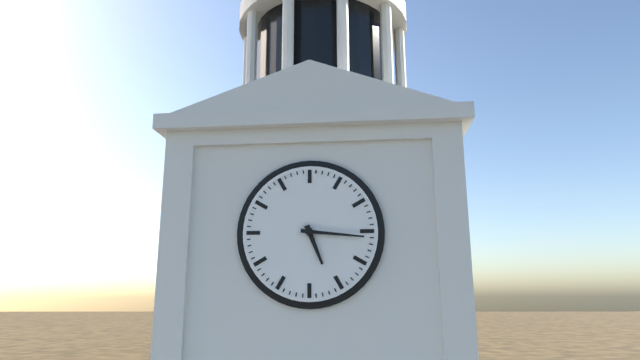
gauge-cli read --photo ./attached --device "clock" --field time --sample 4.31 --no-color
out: 5.16
